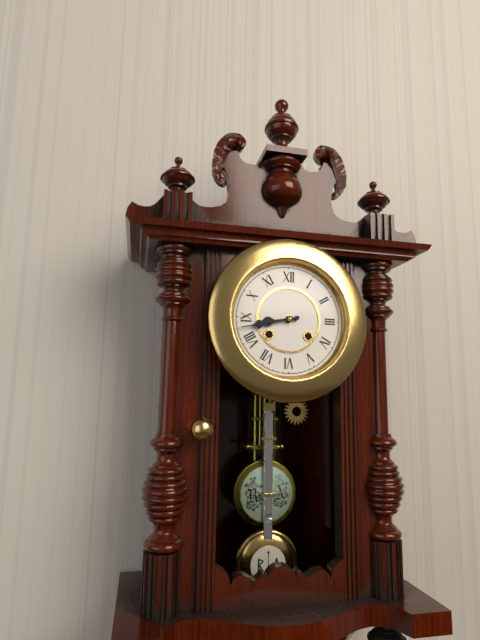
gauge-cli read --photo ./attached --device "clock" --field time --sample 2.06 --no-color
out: 8.43
